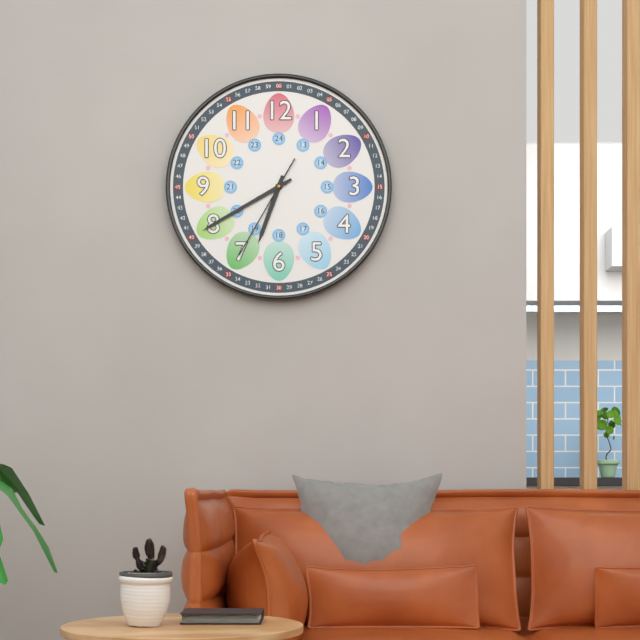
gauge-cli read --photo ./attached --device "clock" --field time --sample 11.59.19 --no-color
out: 6.40.35
